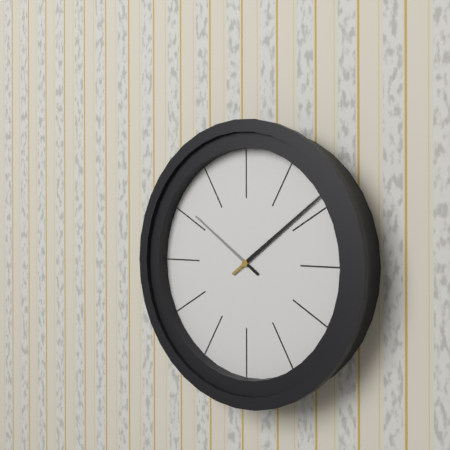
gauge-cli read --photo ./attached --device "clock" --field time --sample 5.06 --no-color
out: 10.09
